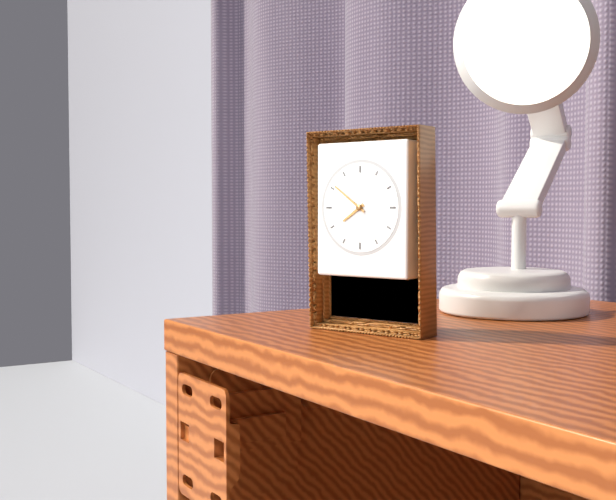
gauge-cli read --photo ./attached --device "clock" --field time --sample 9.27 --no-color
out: 7.51
